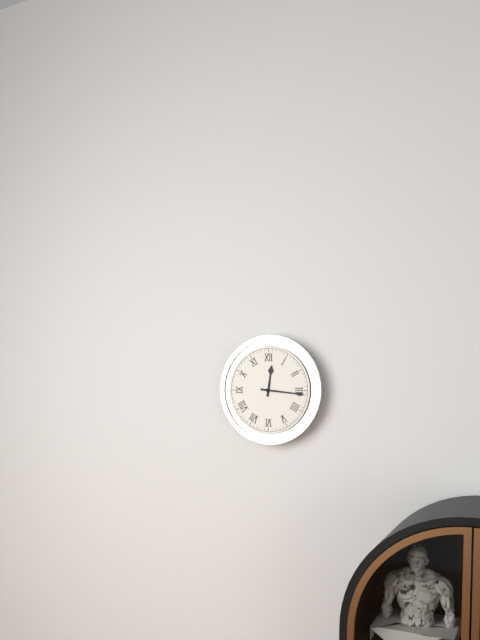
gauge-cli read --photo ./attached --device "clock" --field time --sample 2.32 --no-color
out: 12.16
